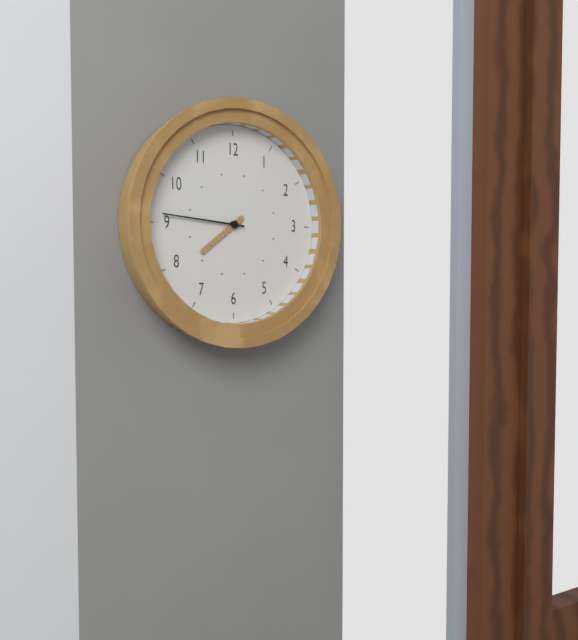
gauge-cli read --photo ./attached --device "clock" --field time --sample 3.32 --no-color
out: 7.46
